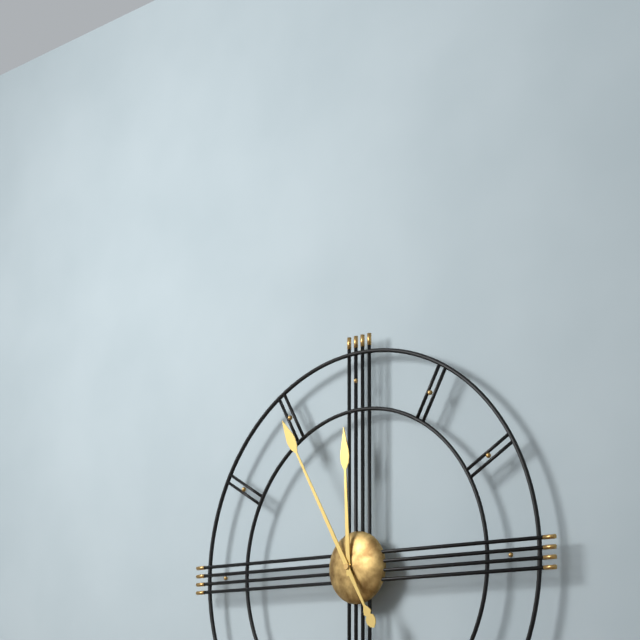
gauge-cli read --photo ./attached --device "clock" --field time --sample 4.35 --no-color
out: 11.55
